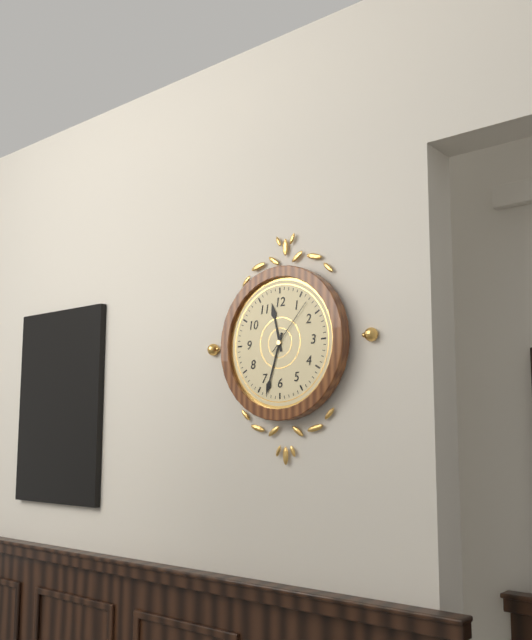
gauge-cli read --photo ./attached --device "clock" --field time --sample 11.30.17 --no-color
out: 11.33.07
